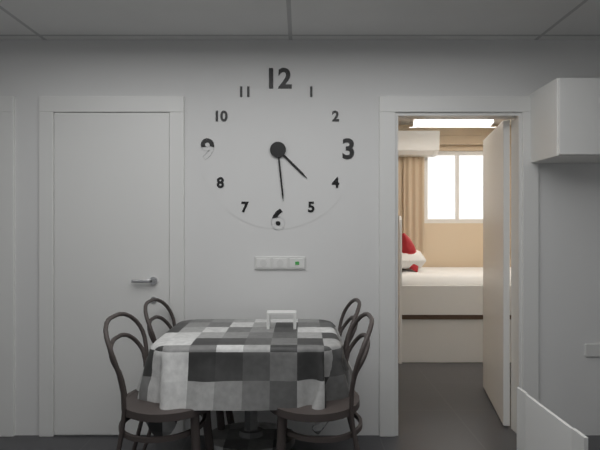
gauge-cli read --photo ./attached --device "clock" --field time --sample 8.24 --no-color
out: 4.29
